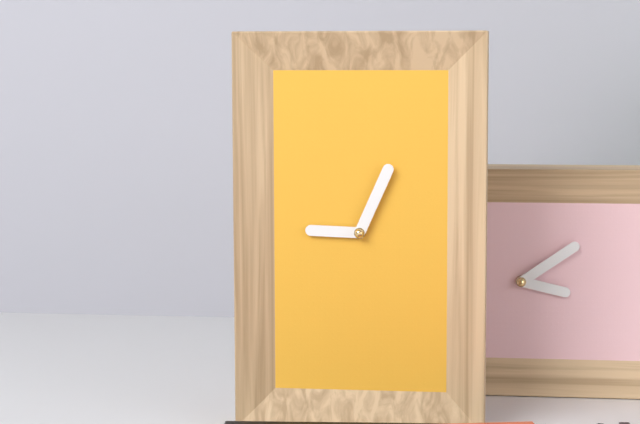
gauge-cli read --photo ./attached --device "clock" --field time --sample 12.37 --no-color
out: 9.04
